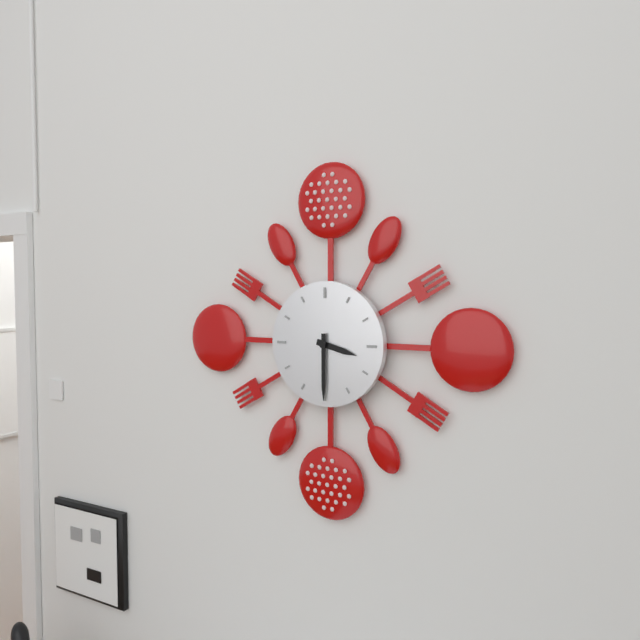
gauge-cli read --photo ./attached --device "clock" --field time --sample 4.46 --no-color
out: 3.30
